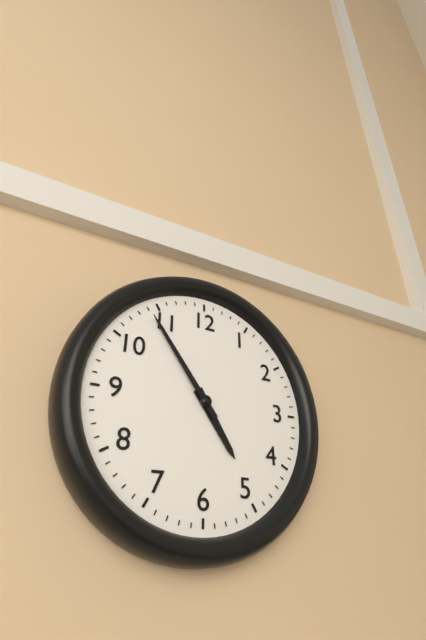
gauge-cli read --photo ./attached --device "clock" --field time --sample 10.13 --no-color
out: 4.54
